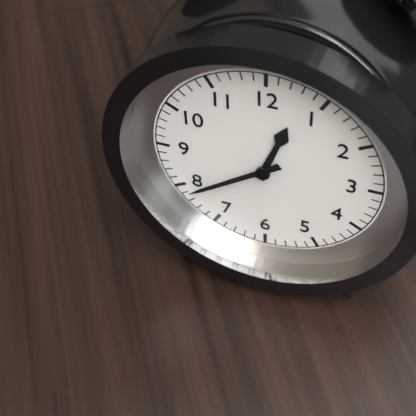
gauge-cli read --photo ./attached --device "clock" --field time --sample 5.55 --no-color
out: 12.39
